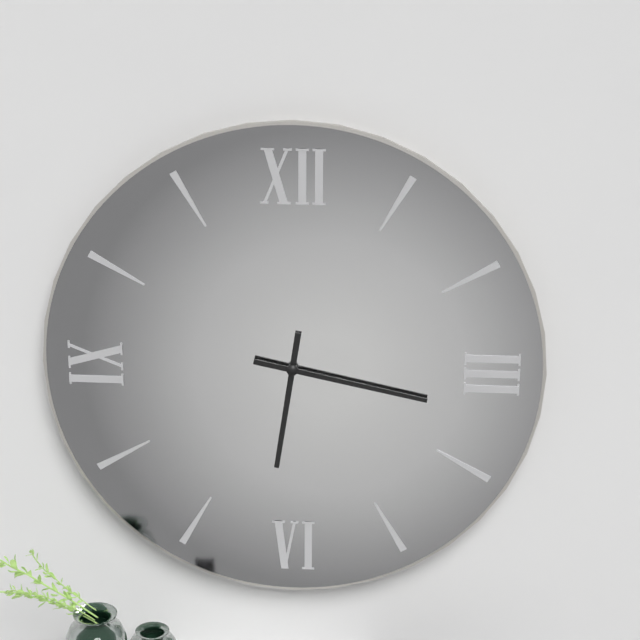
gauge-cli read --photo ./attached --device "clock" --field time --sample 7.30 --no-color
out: 6.17
